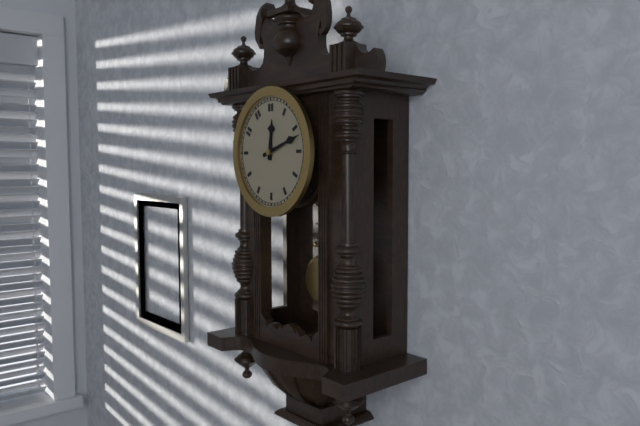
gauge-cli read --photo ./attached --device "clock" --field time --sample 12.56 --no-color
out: 12.12
